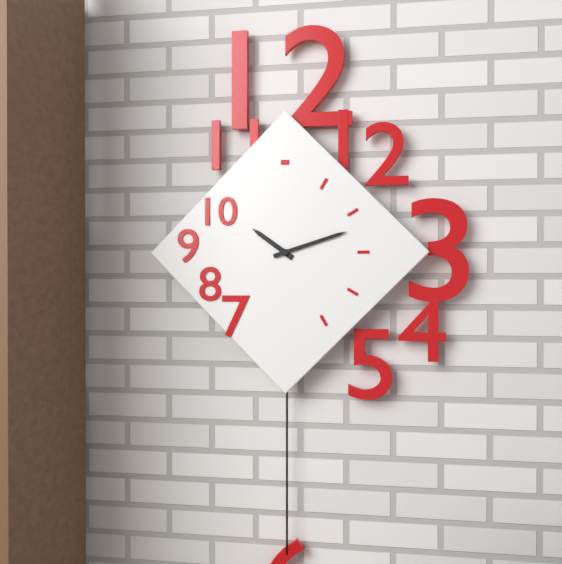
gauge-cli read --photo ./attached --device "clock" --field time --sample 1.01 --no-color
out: 10.12
